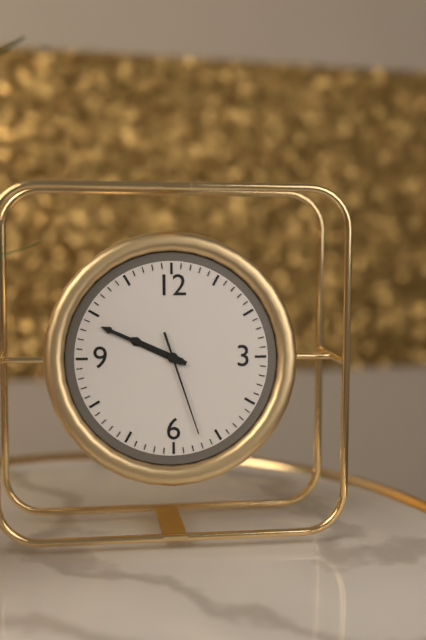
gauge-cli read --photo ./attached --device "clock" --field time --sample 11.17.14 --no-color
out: 9.49.27
